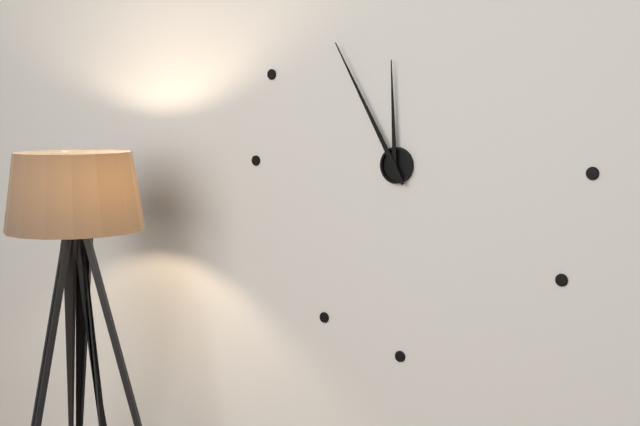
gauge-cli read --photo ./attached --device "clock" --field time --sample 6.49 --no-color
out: 11.55
